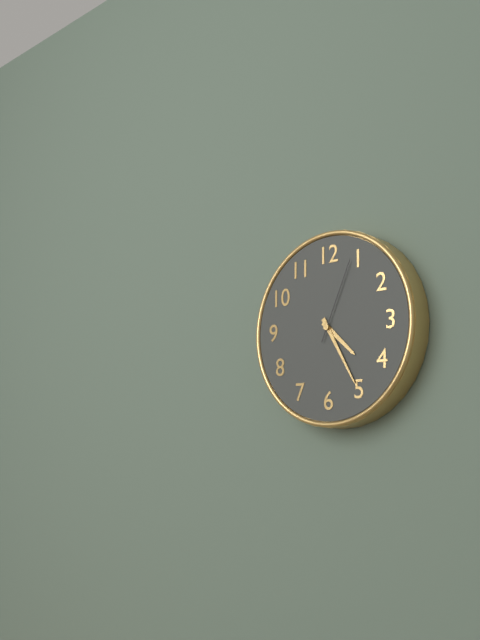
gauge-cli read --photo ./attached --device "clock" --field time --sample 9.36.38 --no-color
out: 4.25.04
